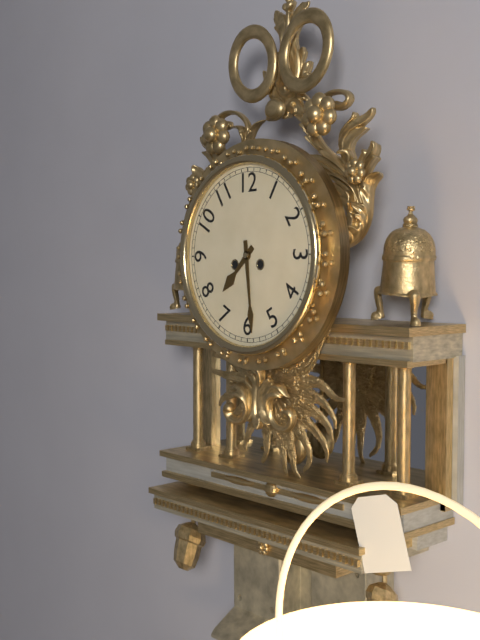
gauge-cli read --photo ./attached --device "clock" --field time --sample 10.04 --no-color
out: 7.29
